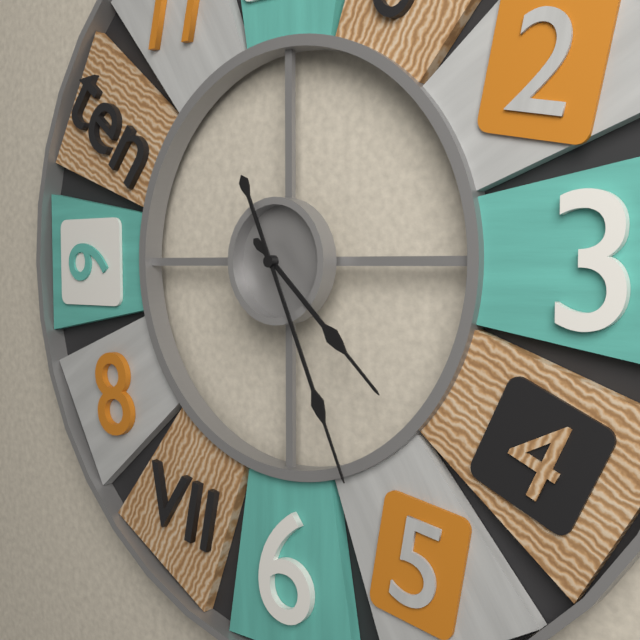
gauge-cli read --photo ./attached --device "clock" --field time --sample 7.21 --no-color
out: 4.26
